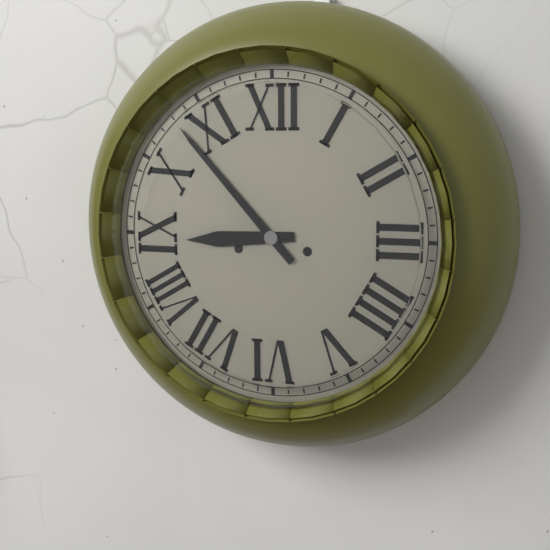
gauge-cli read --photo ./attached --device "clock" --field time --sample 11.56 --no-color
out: 8.53
